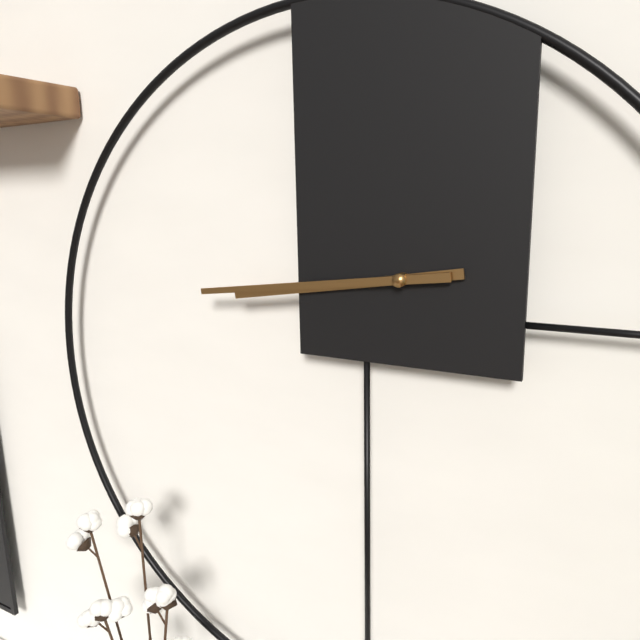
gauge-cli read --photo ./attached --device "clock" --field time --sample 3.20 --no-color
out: 8.44
